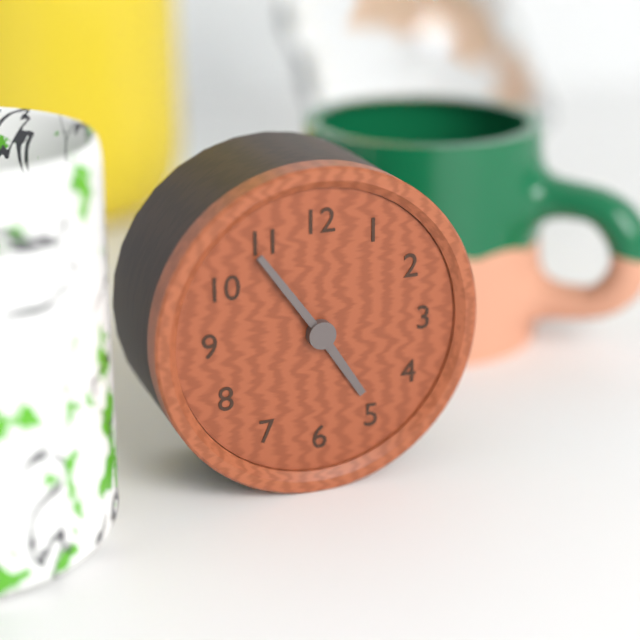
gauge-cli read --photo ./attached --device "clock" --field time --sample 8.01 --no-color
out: 4.54
